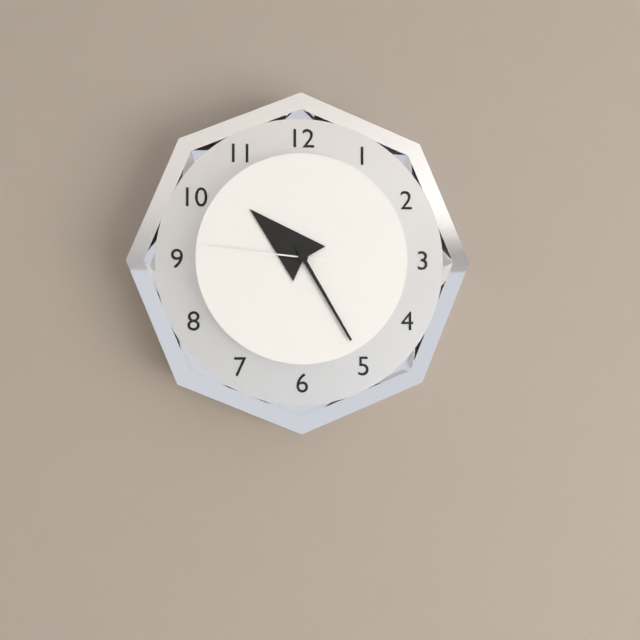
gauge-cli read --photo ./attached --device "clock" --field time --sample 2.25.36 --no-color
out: 10.25.46
